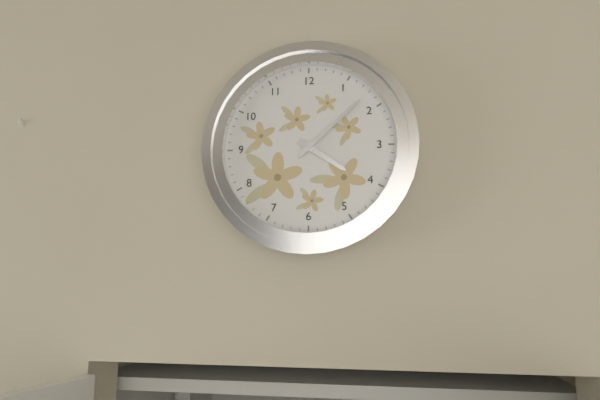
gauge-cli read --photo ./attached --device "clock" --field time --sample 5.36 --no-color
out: 4.08
